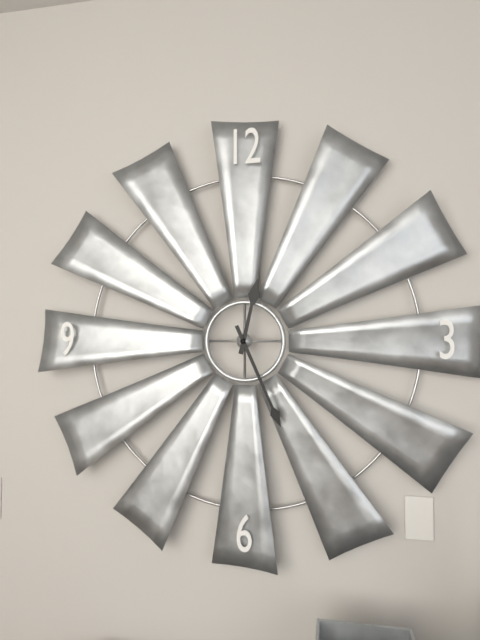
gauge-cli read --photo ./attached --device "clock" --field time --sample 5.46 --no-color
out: 12.26
